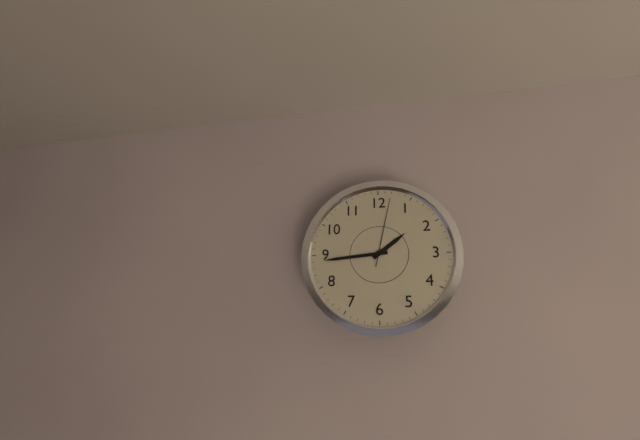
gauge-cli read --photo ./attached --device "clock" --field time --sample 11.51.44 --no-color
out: 1.44.02
